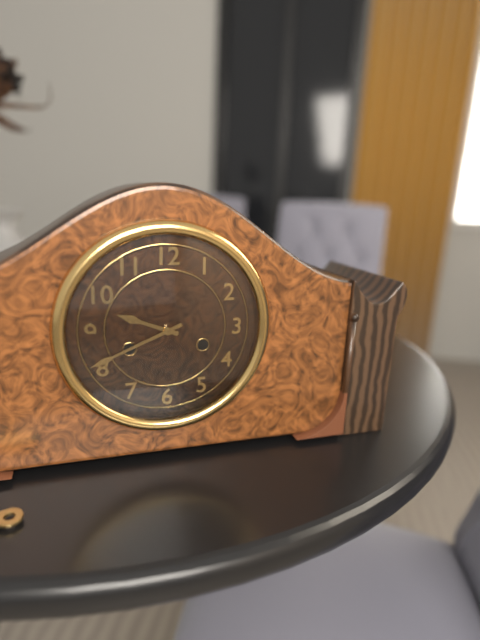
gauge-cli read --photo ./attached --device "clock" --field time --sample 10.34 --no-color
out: 9.41
